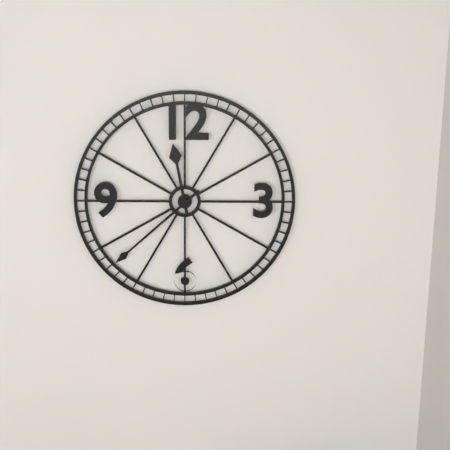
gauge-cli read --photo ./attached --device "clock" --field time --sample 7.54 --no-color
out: 11.38
